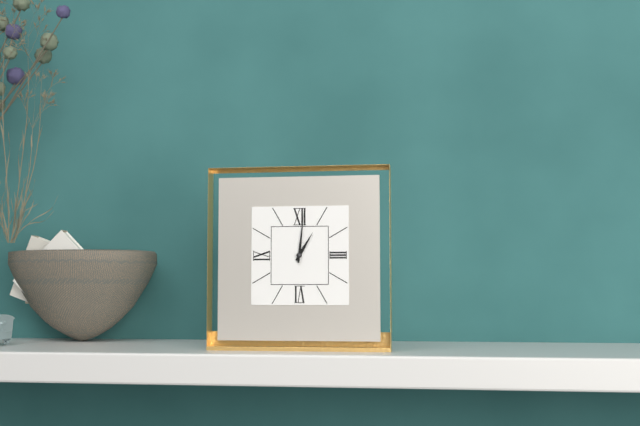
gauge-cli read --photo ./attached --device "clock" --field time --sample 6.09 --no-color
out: 1.01
